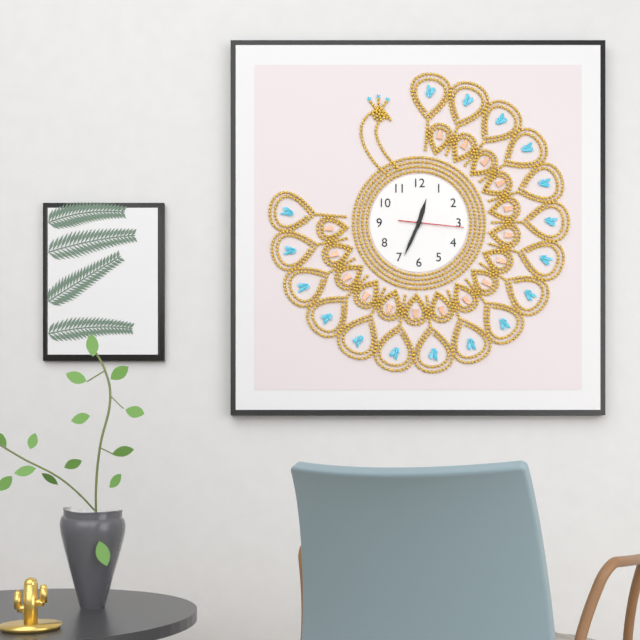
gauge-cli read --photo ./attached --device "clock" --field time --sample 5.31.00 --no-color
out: 12.34.16
